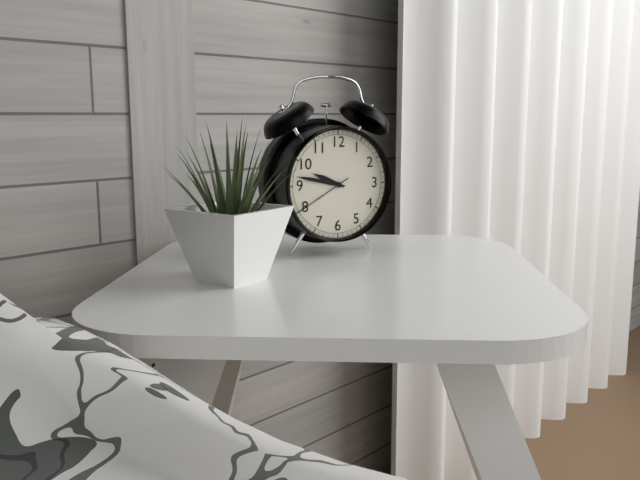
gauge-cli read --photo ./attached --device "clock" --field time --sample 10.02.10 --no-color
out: 9.47.40
